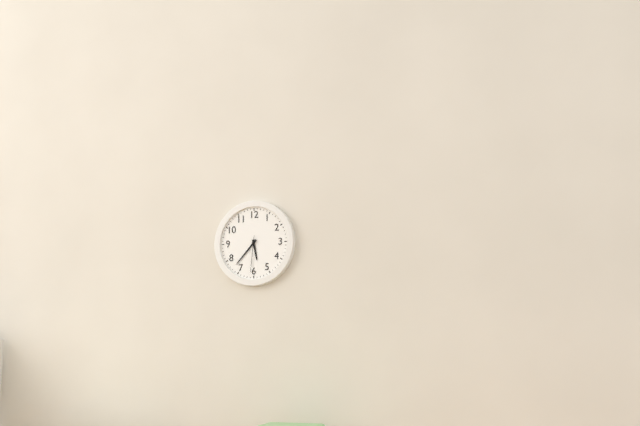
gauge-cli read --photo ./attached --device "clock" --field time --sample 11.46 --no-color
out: 5.37
